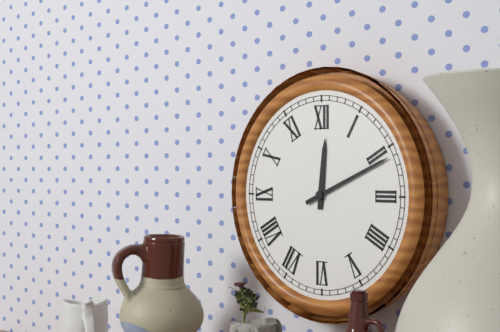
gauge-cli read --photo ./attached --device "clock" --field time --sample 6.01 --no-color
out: 12.11
